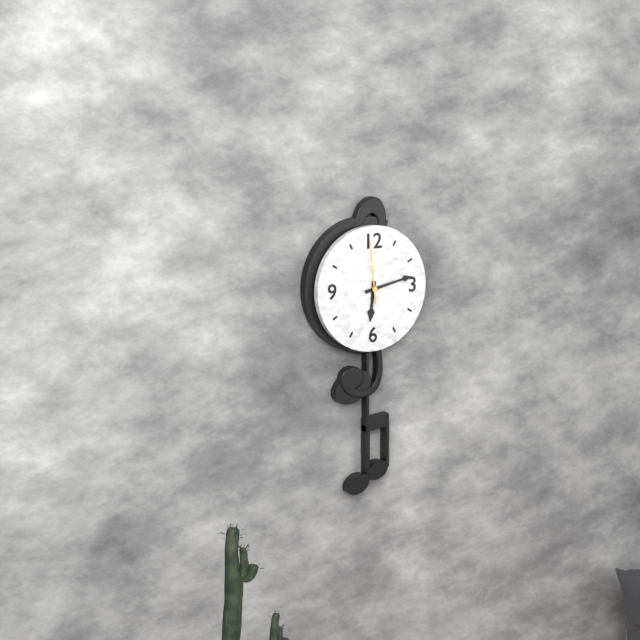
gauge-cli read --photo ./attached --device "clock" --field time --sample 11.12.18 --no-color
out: 6.13.59
